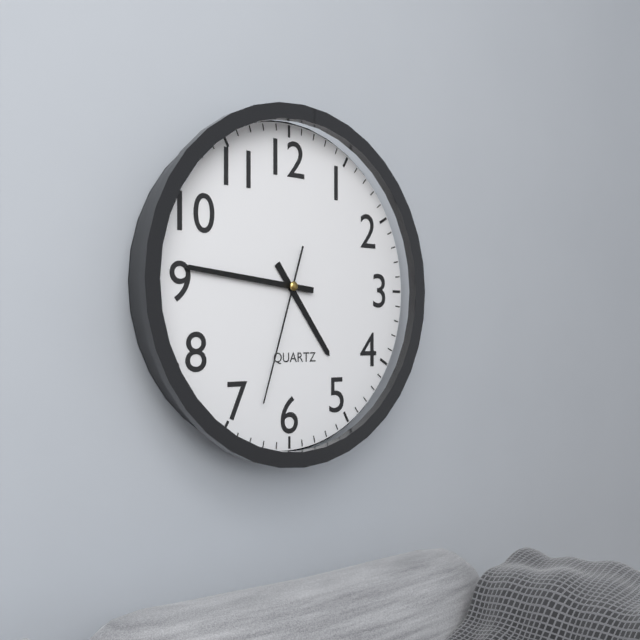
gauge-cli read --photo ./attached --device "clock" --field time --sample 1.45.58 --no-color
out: 4.46.33
